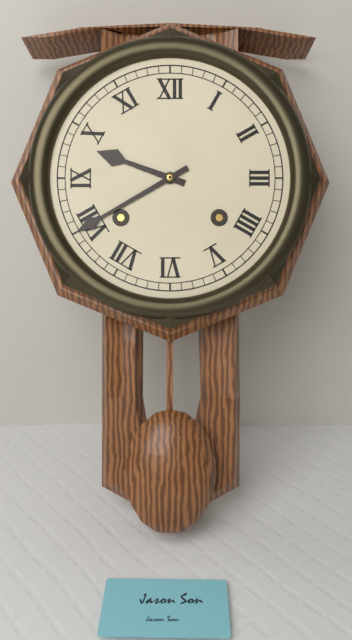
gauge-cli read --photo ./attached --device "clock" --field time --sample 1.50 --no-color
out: 9.40
